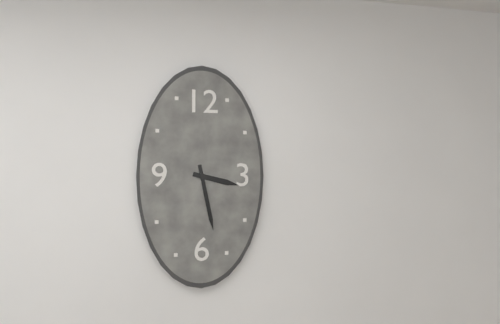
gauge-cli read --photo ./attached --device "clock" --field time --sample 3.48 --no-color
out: 3.28
